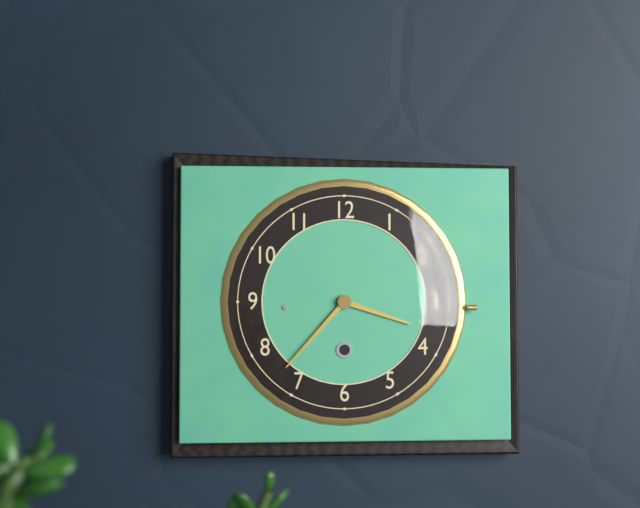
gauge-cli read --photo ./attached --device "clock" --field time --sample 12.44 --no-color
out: 3.37
